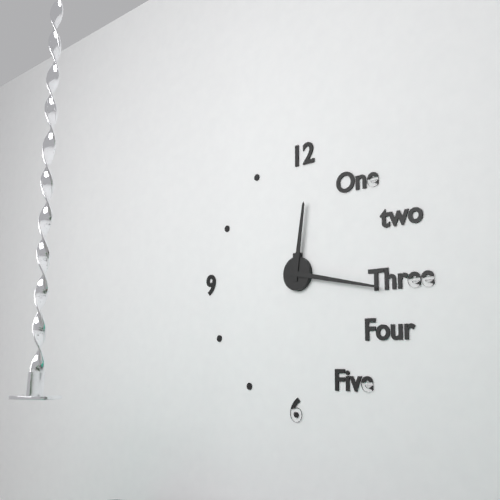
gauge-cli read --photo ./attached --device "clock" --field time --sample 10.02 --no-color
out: 12.17
